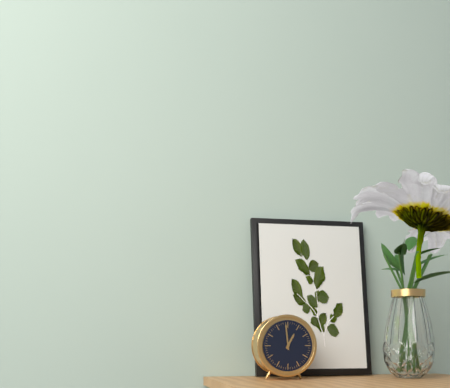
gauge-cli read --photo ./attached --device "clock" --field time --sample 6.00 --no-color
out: 12.59
